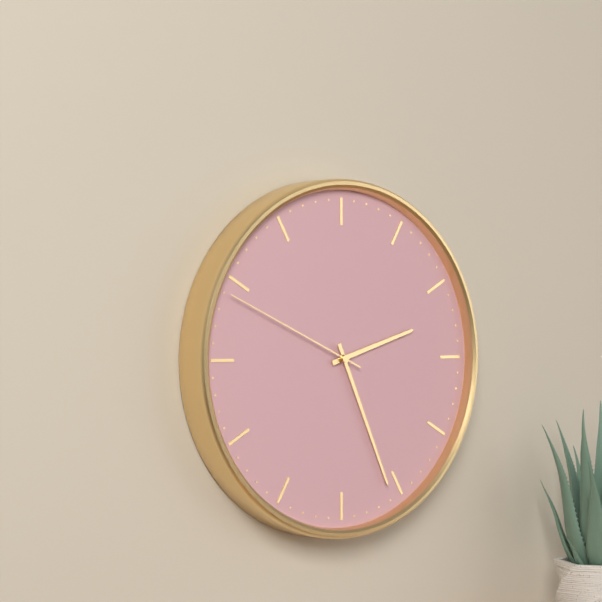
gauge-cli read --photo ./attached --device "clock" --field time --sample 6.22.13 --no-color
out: 2.26.49
